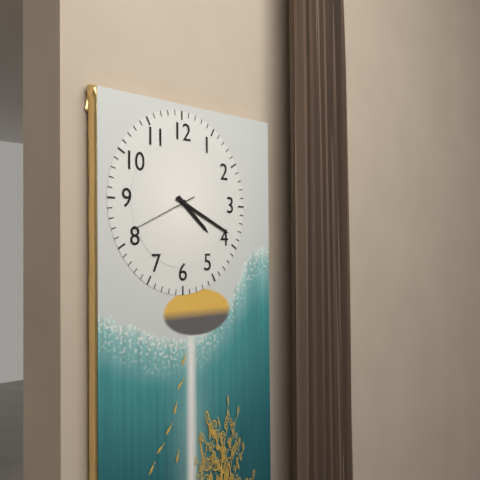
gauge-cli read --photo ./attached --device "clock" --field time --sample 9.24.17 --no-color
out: 4.19.41
